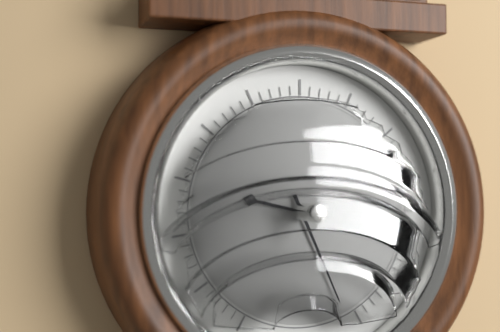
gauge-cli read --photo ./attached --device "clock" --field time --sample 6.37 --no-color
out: 9.26
